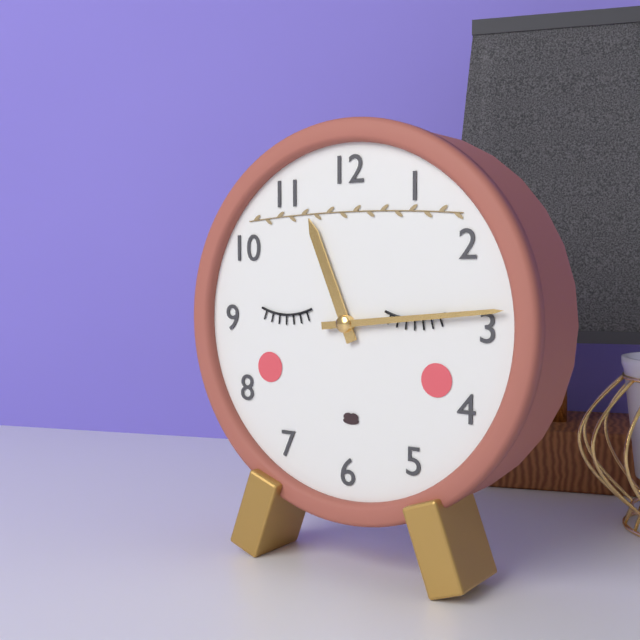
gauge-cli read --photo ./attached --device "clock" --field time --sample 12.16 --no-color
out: 11.14
